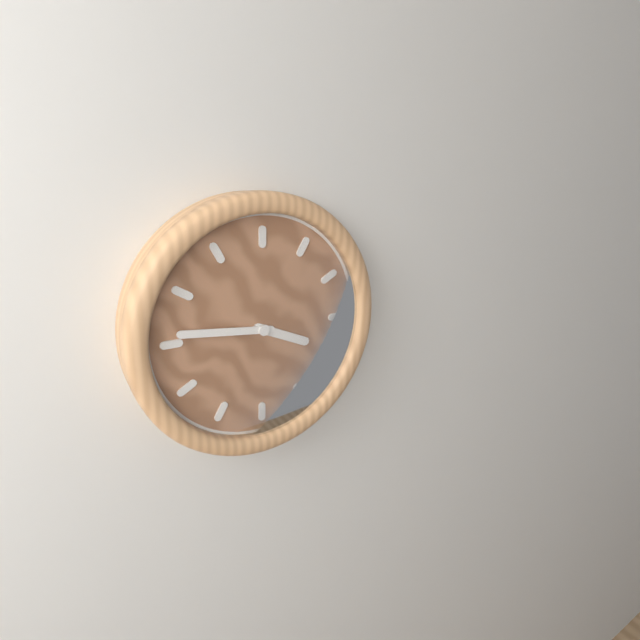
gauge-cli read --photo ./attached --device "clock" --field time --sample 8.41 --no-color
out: 3.46
